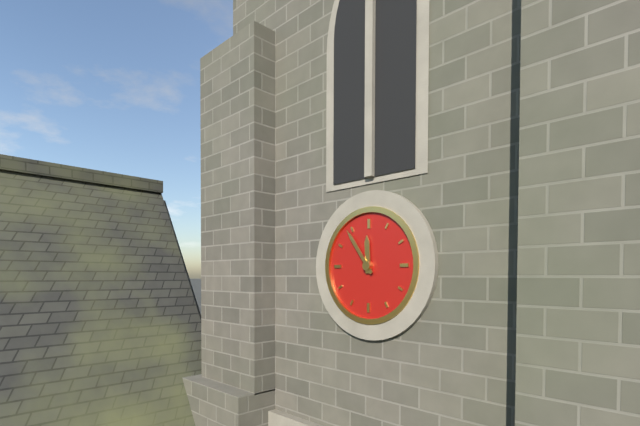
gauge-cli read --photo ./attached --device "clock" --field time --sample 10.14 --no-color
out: 11.54
